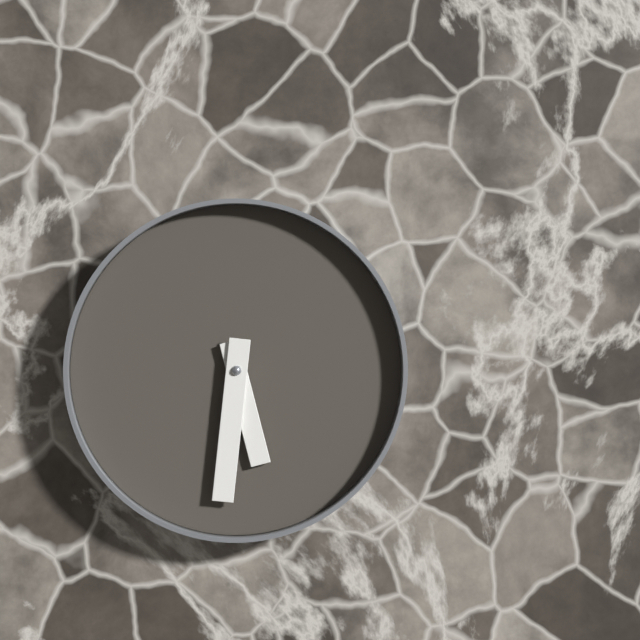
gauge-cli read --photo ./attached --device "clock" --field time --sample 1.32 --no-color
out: 5.31
